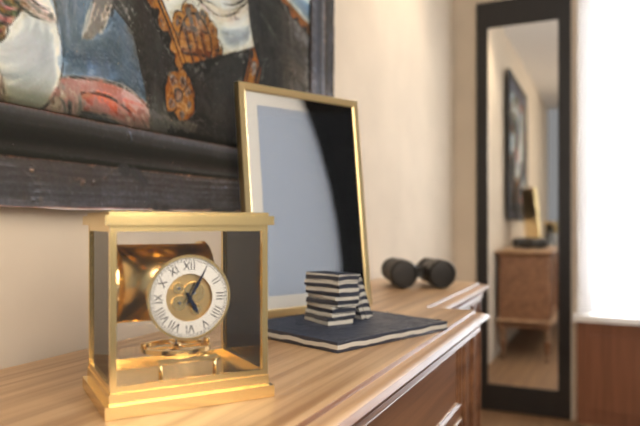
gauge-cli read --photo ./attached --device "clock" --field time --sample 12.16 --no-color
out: 5.05
